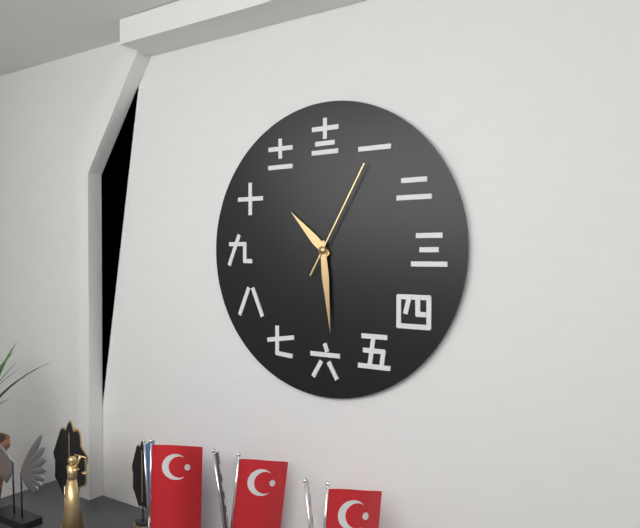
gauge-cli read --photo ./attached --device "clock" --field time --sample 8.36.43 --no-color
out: 10.29.05
